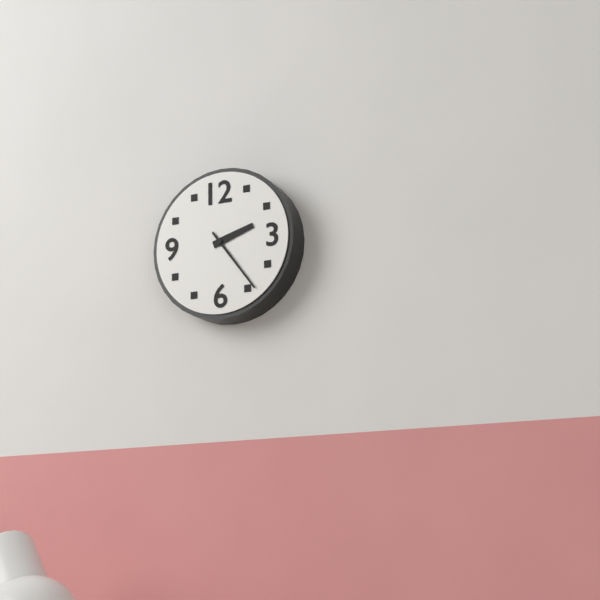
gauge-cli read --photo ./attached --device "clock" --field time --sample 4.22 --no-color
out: 2.24
